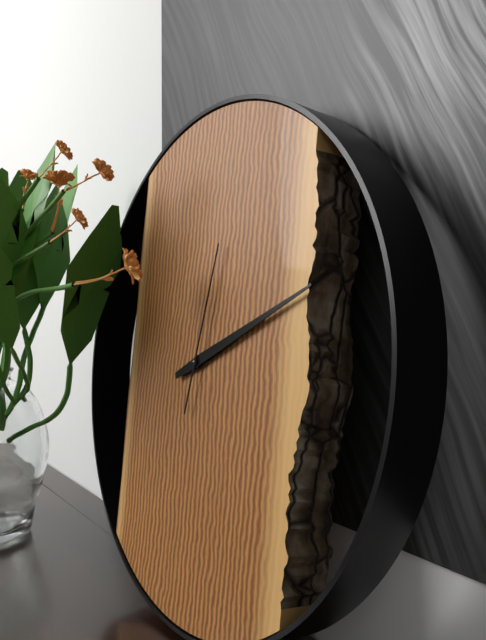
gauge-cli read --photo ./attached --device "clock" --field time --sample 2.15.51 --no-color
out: 2.11.02
